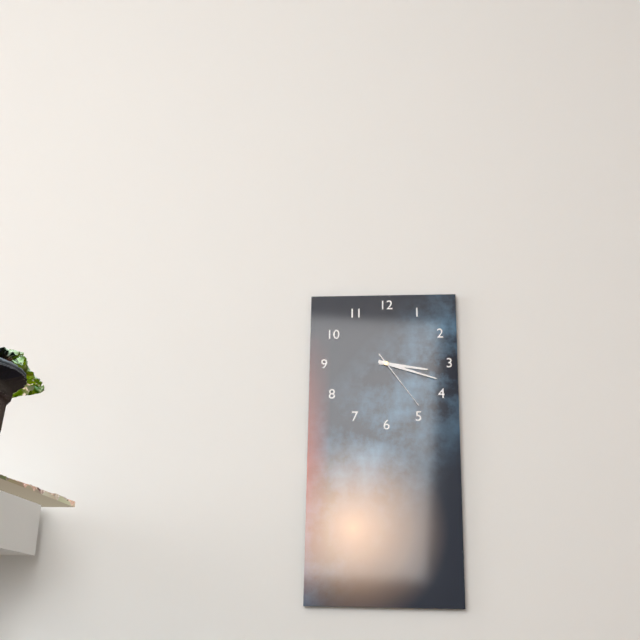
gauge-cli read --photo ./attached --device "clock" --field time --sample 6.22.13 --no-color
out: 3.18.24
